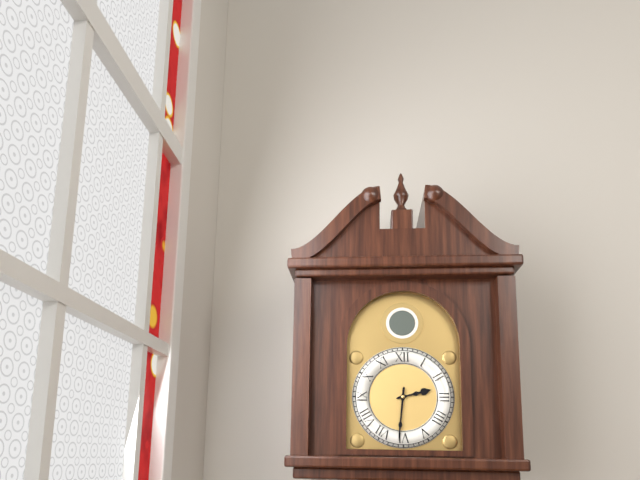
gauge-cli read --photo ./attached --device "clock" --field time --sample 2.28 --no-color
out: 2.31
